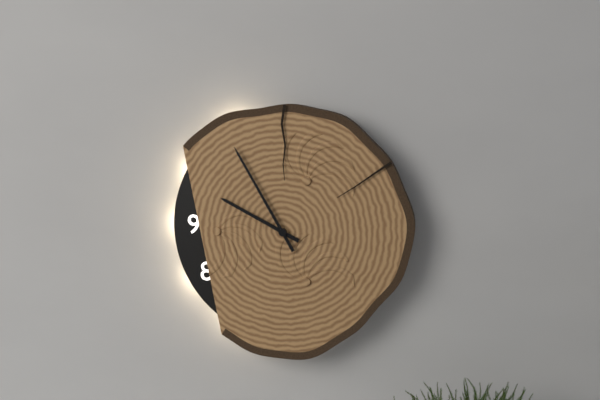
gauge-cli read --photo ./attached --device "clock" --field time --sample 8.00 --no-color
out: 9.55
